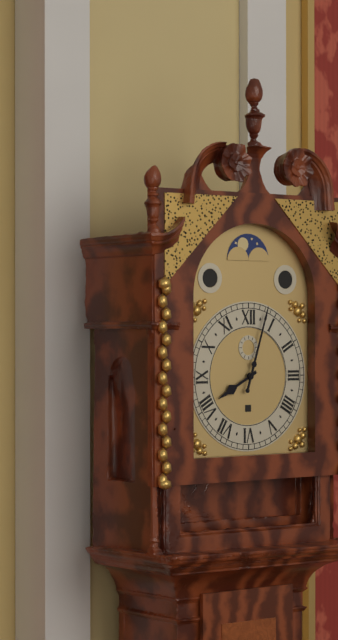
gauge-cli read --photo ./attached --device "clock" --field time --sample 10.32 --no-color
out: 8.03
